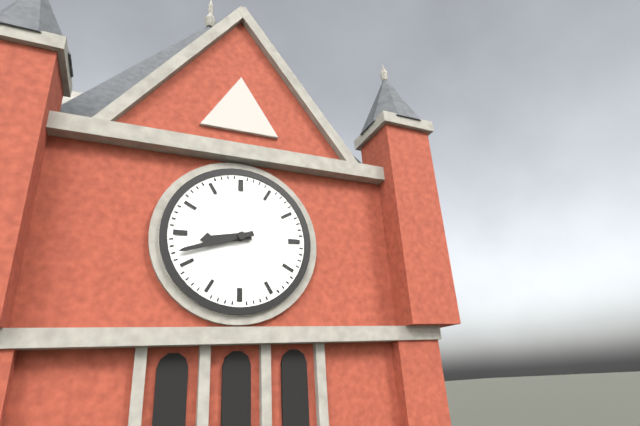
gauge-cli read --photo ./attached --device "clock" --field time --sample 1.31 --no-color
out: 8.42
